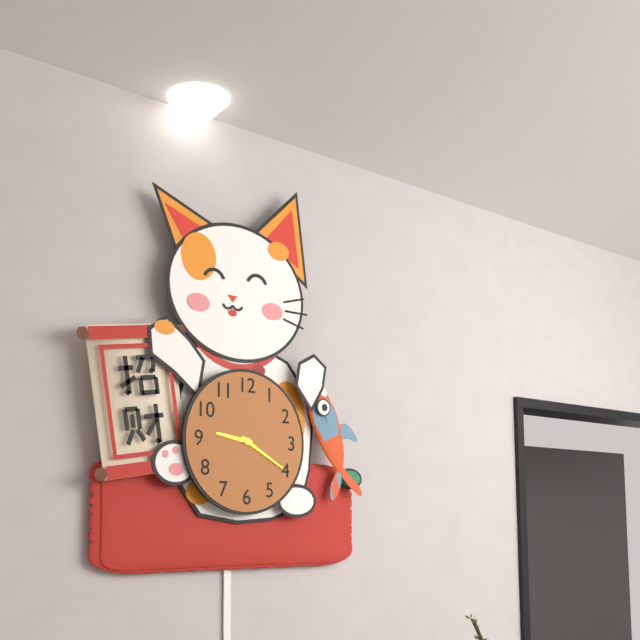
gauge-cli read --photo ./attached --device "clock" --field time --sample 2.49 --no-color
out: 9.20
